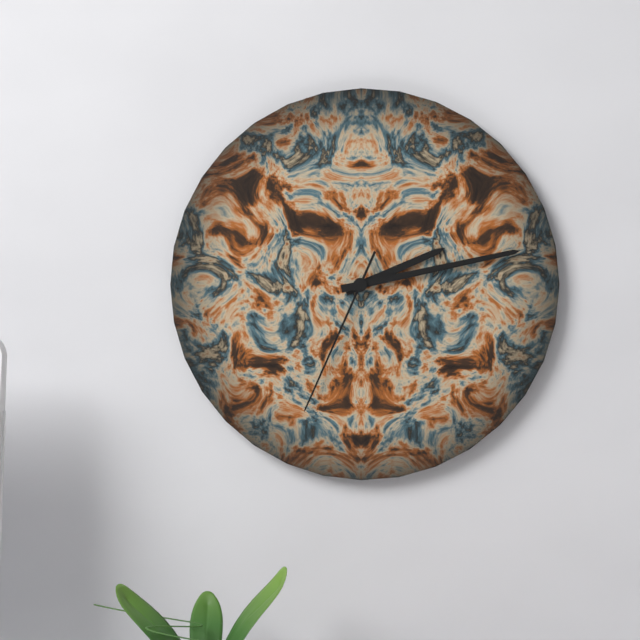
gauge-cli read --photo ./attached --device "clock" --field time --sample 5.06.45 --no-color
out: 2.13.34
